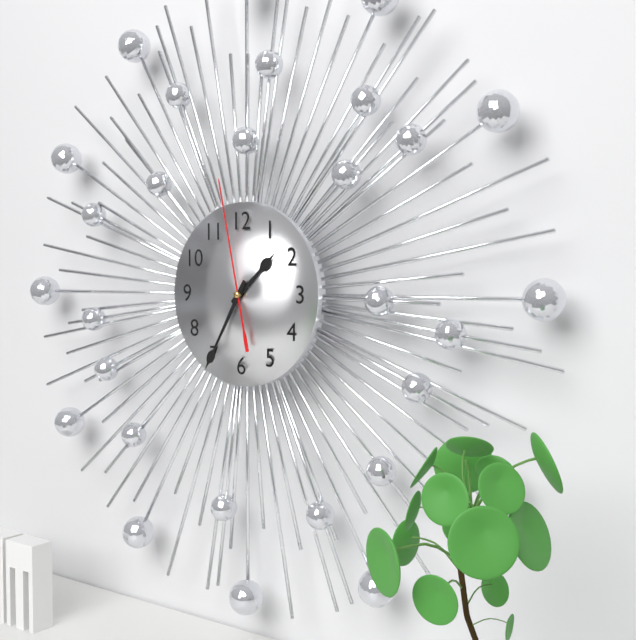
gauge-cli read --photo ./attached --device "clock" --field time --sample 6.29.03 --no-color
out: 1.35.58
